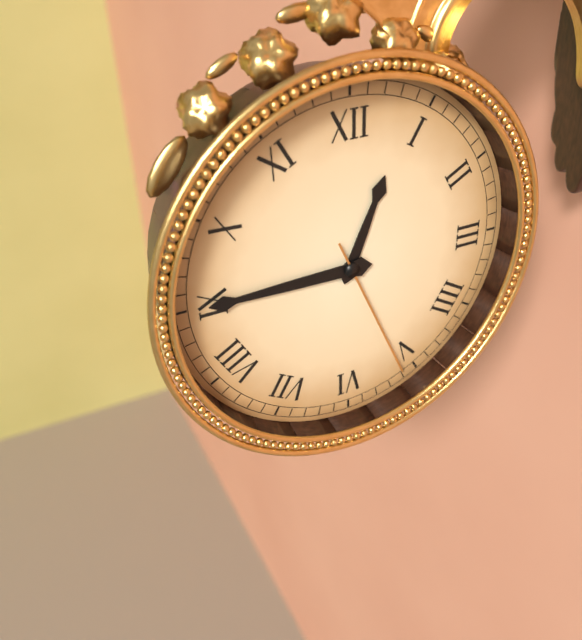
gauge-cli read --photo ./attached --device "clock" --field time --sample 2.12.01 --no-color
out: 12.45.26
